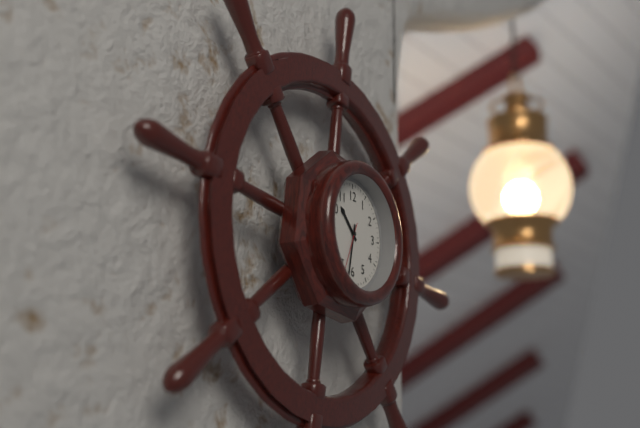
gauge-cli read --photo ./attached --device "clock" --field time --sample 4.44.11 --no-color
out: 10.32.34
